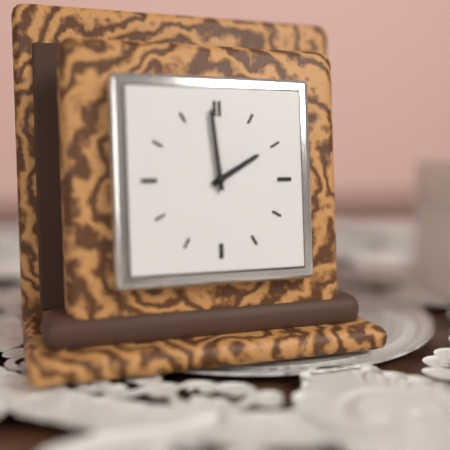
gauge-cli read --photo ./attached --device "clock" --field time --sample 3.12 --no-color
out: 1.59
